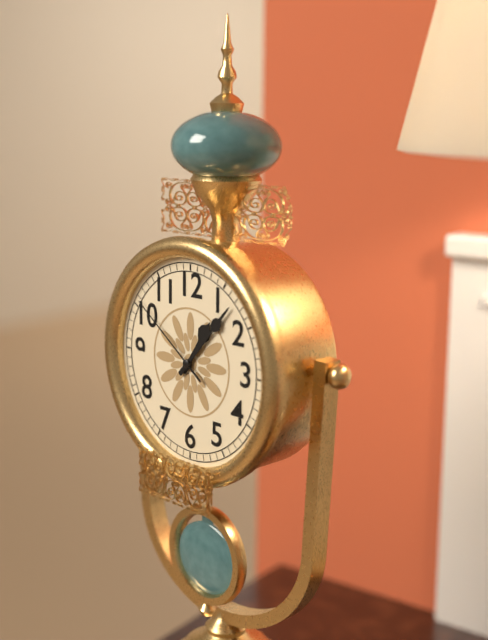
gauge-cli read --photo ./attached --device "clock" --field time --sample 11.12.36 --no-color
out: 1.07.51
